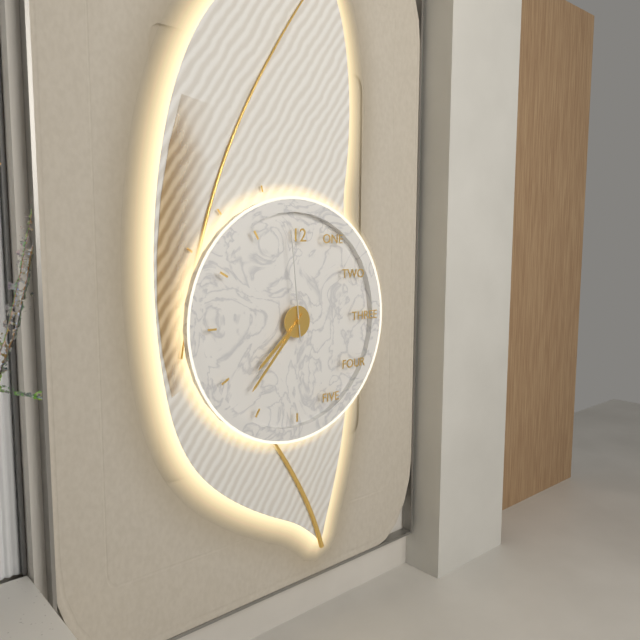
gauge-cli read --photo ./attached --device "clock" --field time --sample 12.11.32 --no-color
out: 7.37.59
